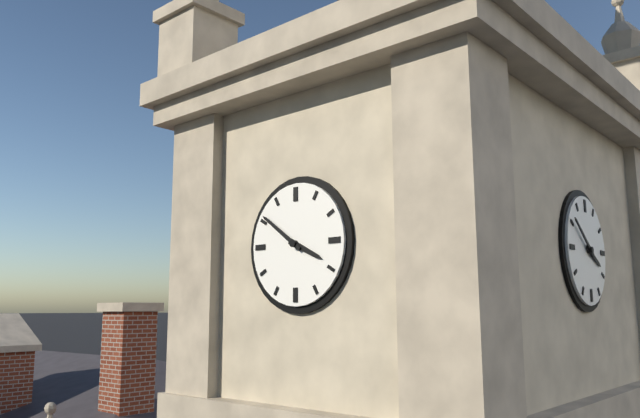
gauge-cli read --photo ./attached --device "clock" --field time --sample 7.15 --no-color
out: 3.51
